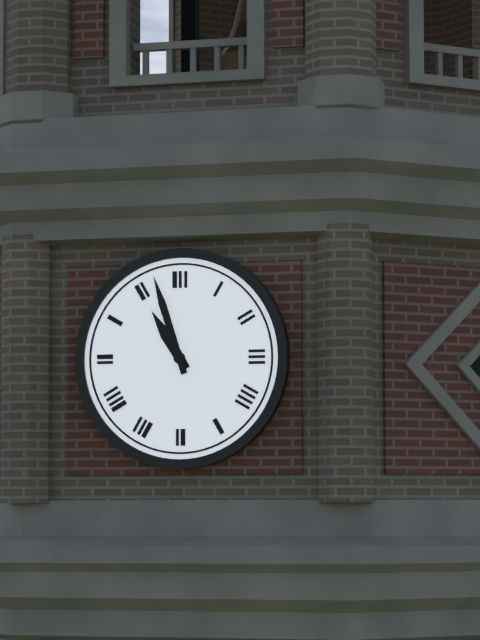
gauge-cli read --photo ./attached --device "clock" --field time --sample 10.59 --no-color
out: 10.57
